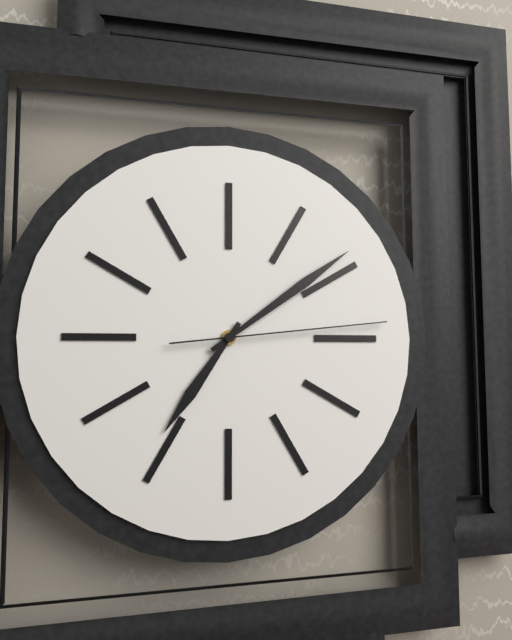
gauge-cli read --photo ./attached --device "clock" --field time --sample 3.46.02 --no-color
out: 7.09.14
